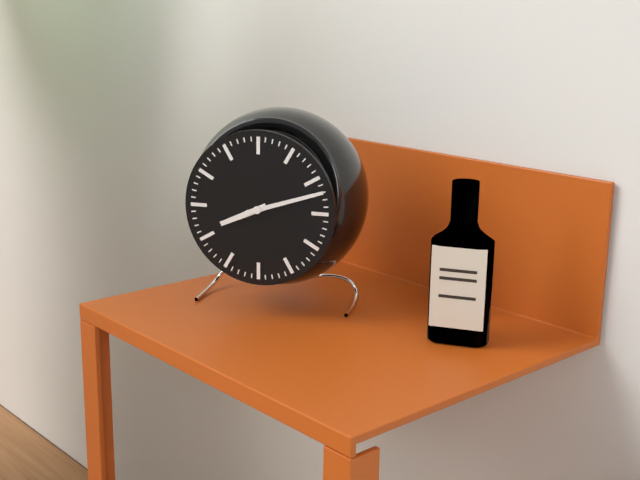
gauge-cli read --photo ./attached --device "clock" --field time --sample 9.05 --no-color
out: 8.12
